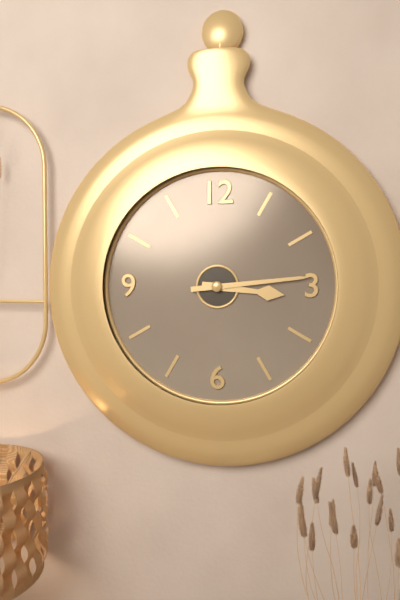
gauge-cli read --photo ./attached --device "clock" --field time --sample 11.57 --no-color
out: 3.14
